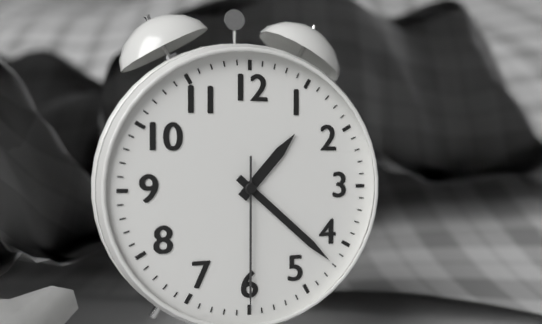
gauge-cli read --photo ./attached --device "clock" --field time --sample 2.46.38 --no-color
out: 1.22.30
